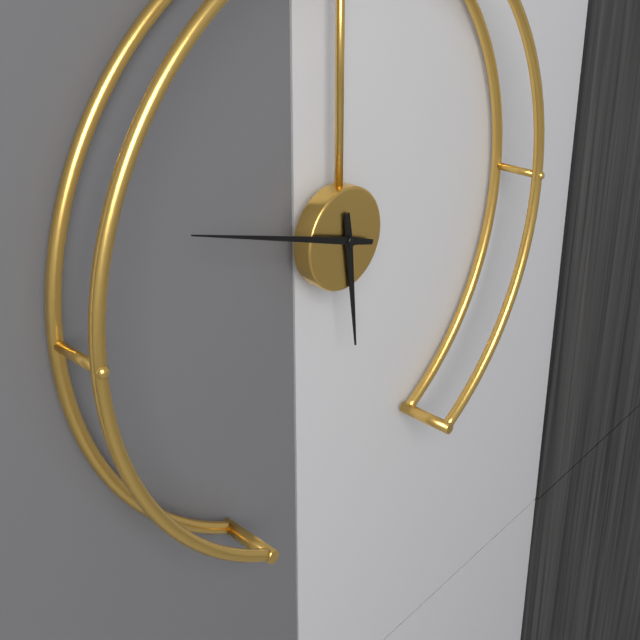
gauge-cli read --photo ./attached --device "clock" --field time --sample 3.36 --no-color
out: 5.48
